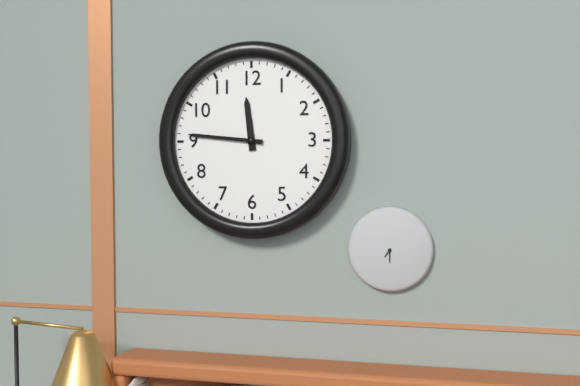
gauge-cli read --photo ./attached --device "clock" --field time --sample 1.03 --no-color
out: 11.46
